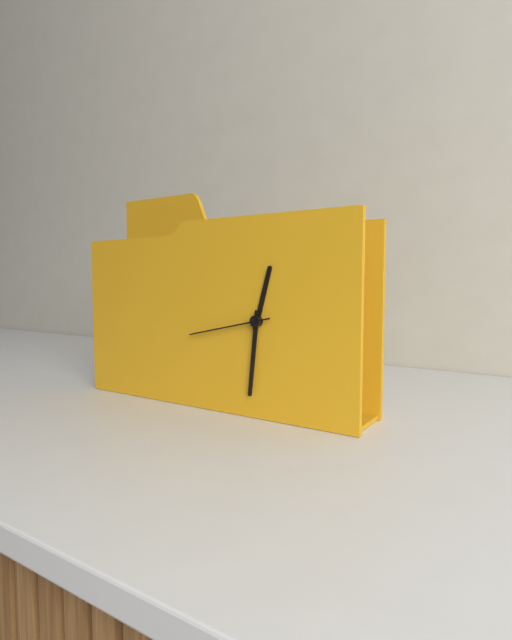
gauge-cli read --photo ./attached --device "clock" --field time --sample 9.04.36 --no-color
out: 12.31.43
